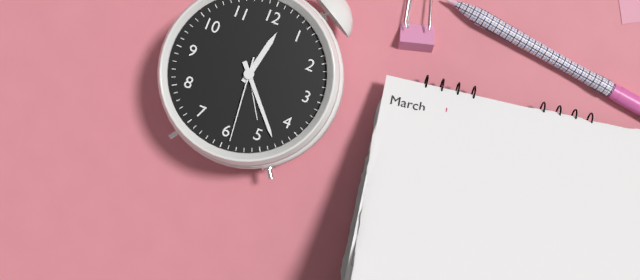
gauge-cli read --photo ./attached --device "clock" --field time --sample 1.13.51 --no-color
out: 12.23.29
